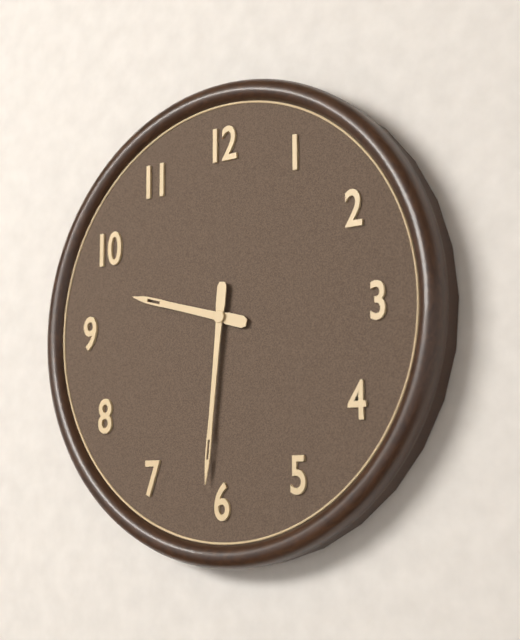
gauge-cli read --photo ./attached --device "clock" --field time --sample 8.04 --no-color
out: 9.31
